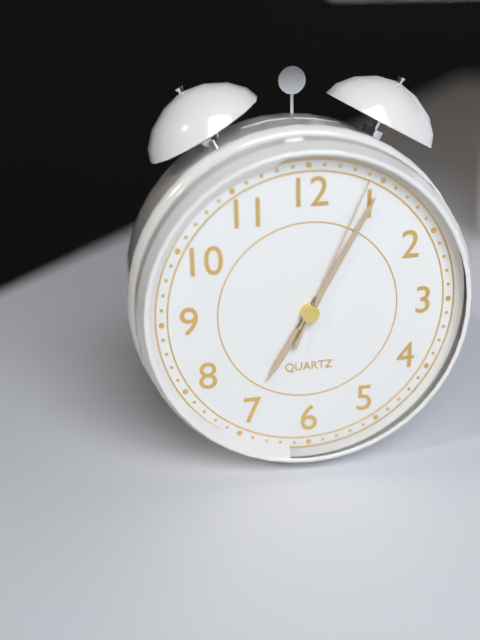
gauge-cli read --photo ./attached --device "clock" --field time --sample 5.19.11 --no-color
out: 7.05.04
